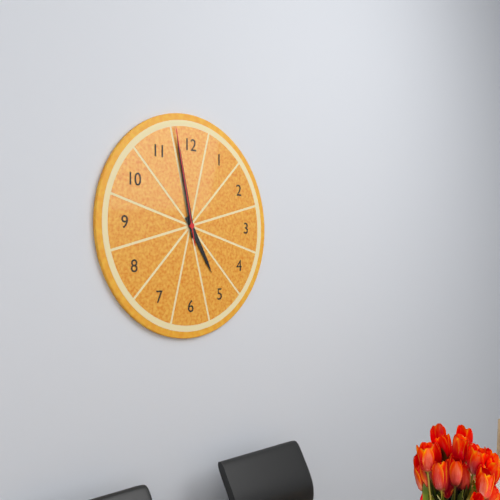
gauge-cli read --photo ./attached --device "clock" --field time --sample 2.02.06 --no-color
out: 4.58.58
